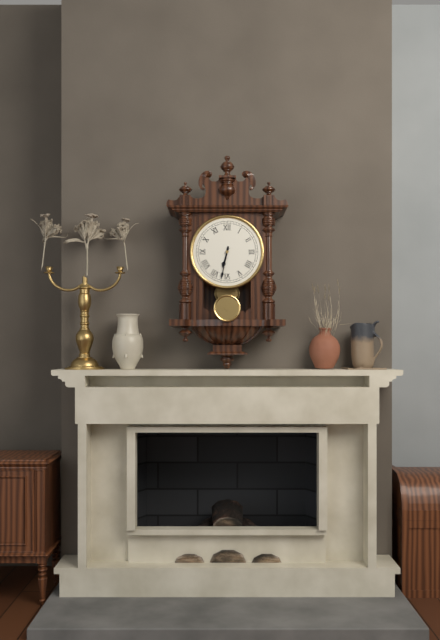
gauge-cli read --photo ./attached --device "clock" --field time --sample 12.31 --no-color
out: 6.32
